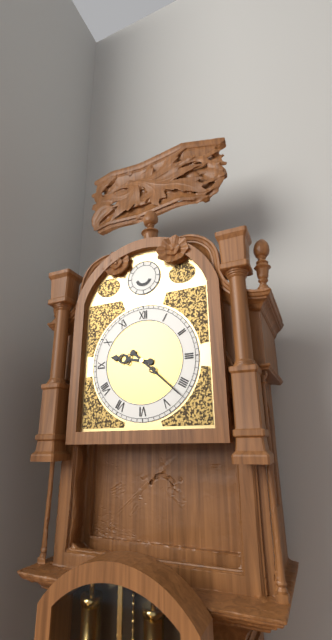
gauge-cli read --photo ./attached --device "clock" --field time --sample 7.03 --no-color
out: 9.22
